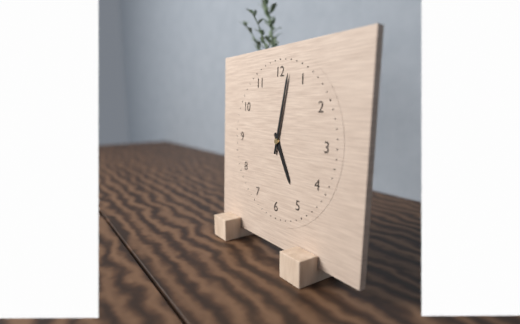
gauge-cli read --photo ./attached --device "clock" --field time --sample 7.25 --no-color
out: 5.02
